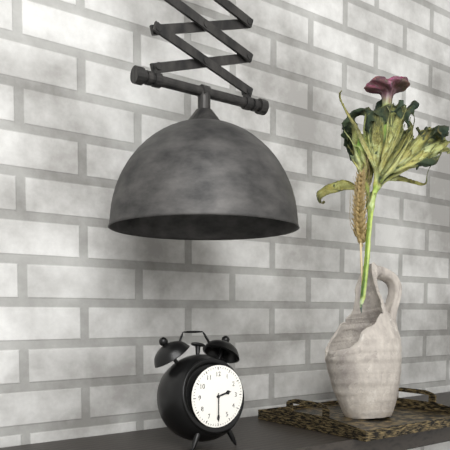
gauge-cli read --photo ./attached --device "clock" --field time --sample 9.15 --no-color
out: 2.30
